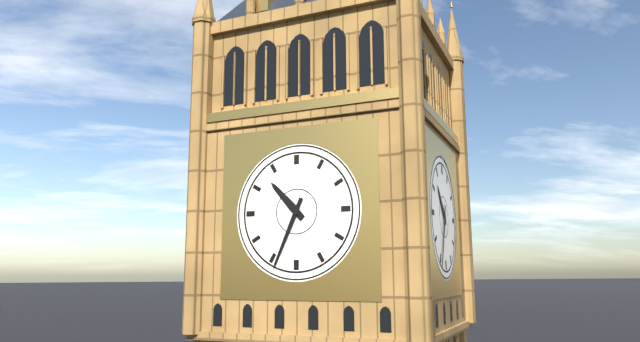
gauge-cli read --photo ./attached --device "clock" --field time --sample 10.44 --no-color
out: 10.34
